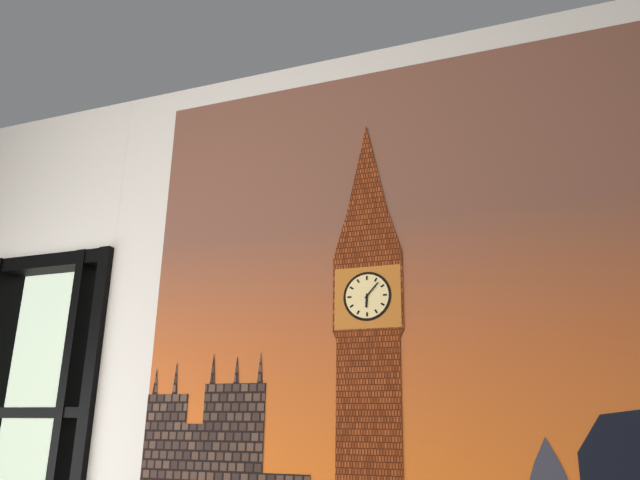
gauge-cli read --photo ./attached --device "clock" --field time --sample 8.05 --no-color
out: 6.07
